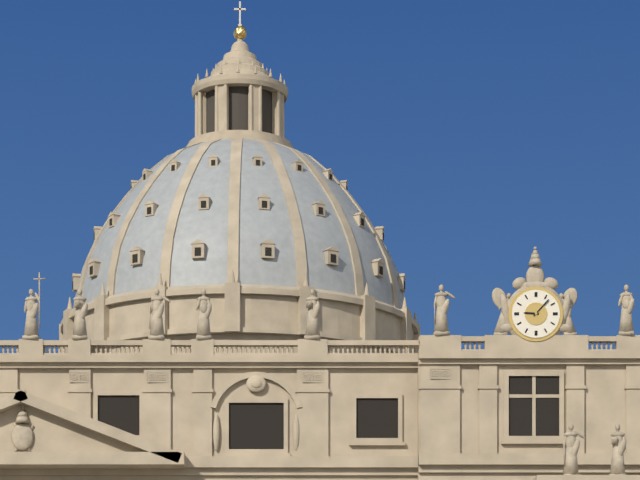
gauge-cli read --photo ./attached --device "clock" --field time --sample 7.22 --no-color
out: 9.07
